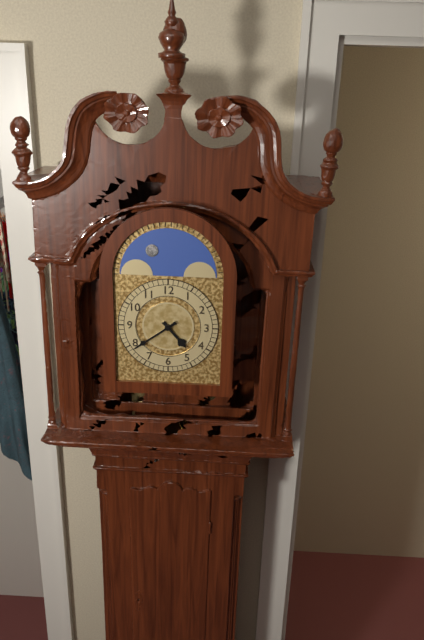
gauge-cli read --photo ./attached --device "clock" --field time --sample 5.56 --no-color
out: 4.39
